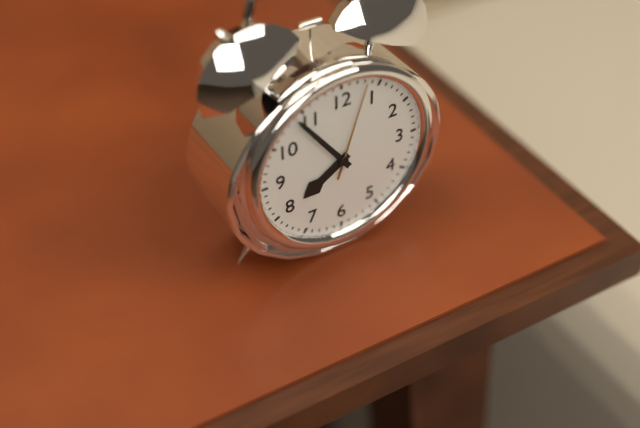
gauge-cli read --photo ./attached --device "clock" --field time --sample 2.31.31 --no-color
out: 7.54.03
